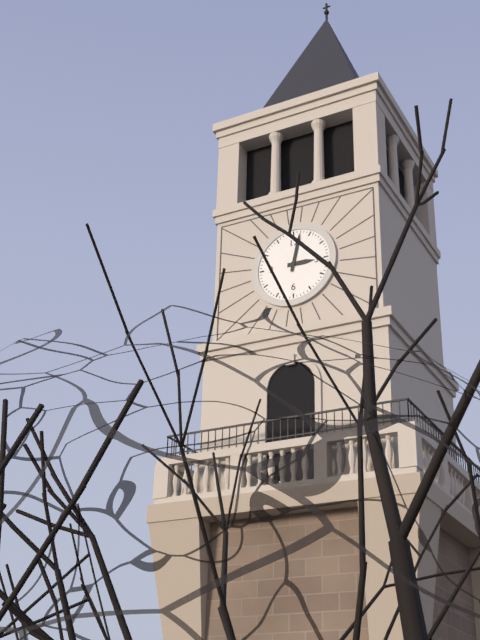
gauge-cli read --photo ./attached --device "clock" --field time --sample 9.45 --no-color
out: 3.02
